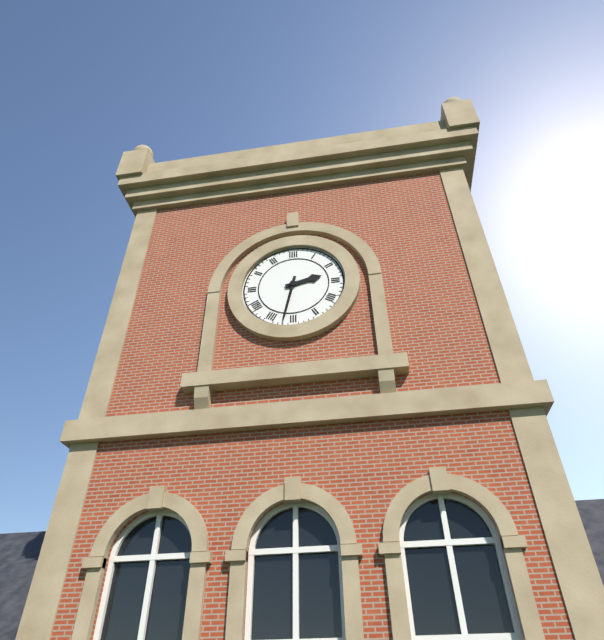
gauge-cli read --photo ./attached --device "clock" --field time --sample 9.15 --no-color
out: 2.32
